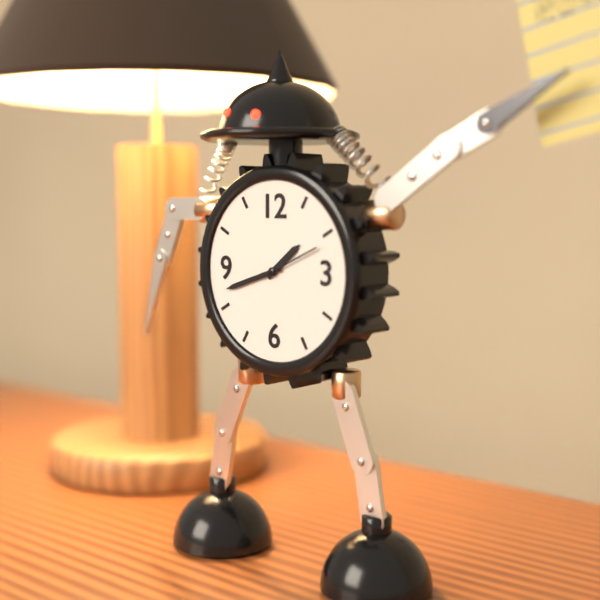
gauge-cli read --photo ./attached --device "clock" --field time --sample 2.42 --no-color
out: 1.42
